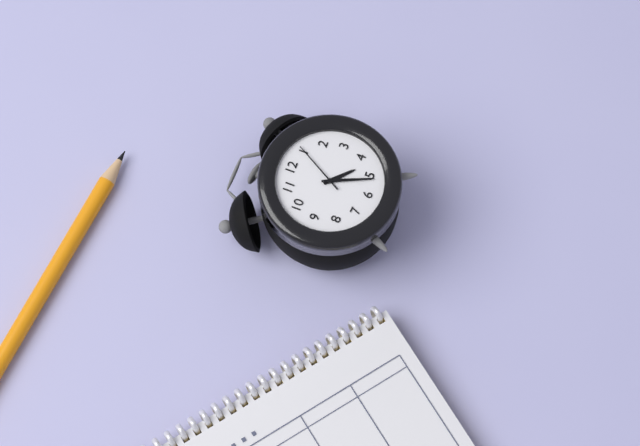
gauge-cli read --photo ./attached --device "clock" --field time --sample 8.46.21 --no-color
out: 4.26.05
